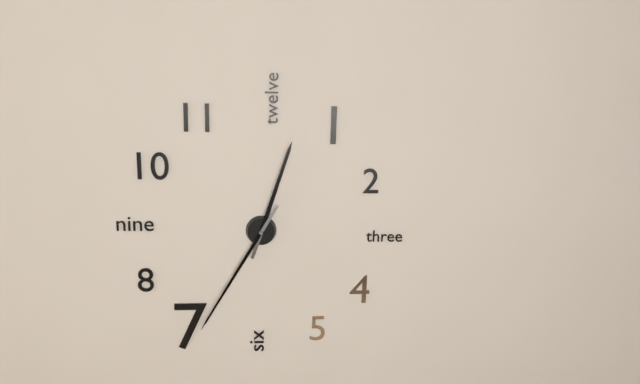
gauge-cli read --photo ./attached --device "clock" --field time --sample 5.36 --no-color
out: 12.35
